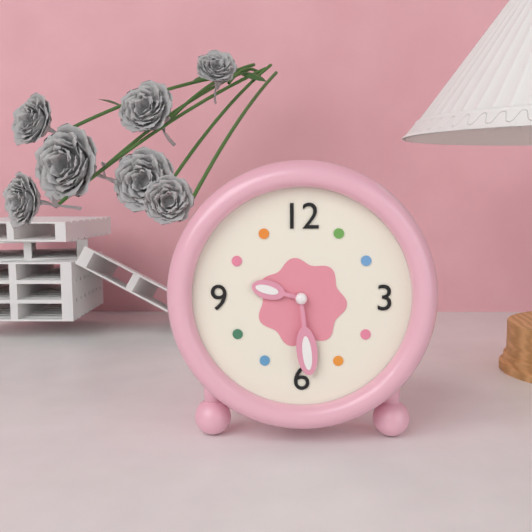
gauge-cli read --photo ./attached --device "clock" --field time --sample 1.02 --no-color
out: 9.29
